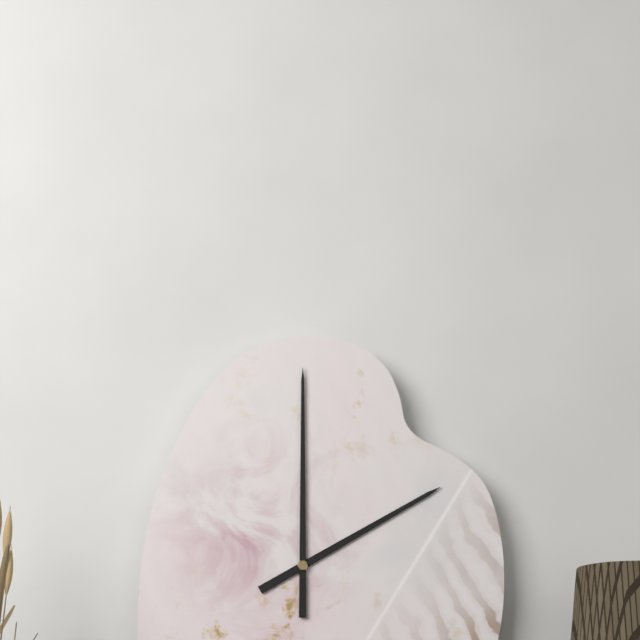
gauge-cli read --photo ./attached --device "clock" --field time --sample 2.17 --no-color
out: 2.00
